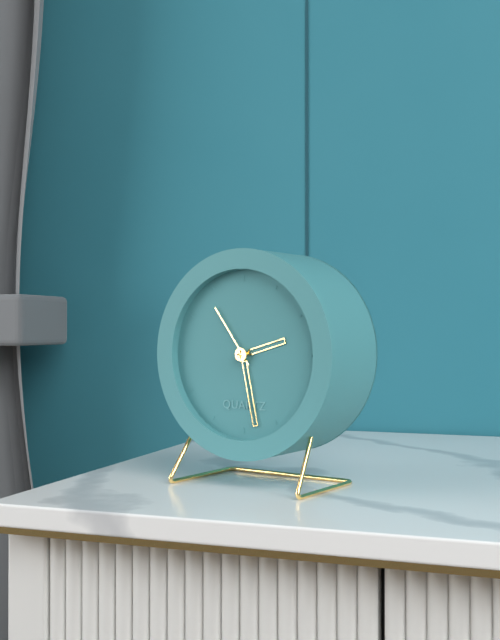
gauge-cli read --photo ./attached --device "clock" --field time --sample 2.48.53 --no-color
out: 2.28.54
